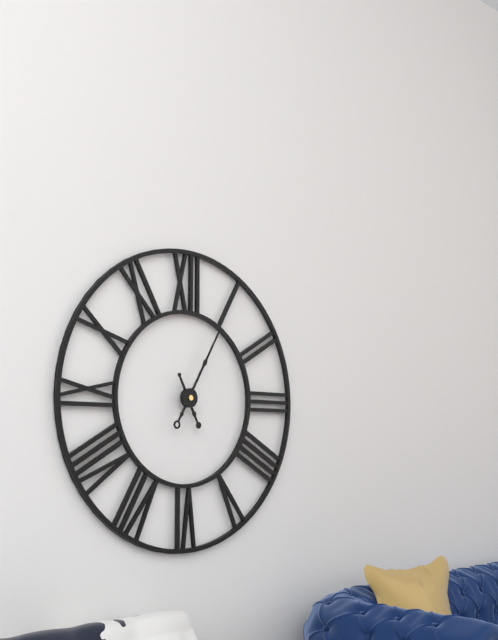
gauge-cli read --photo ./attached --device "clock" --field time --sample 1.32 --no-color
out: 5.05
